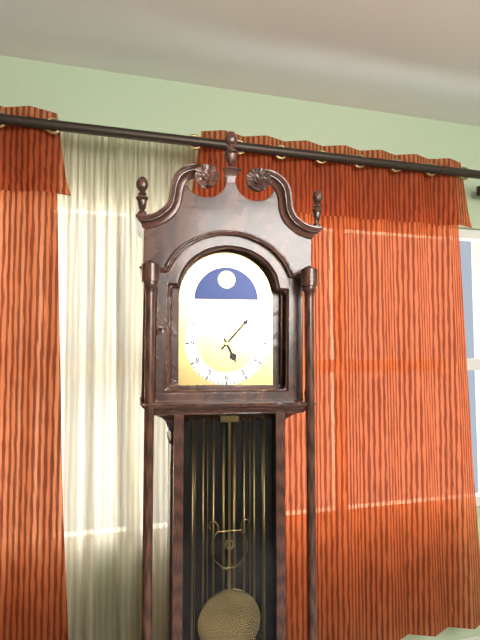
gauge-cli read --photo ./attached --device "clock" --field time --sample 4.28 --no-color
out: 5.07
